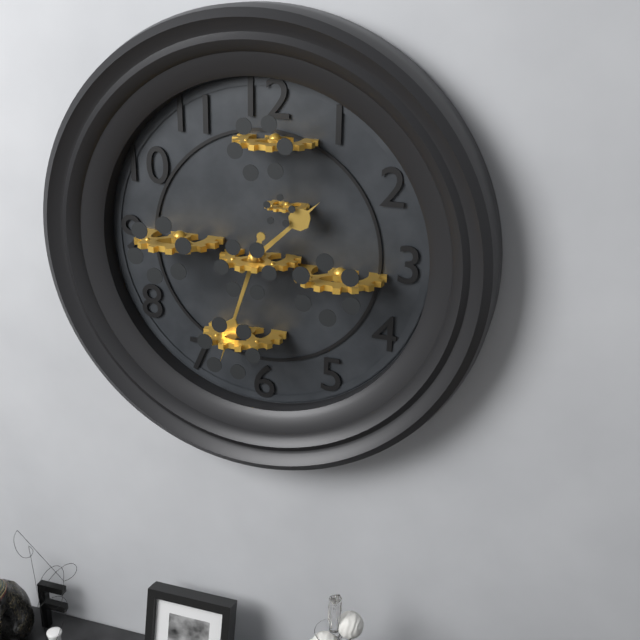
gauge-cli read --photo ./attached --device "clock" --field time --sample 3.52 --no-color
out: 1.33
